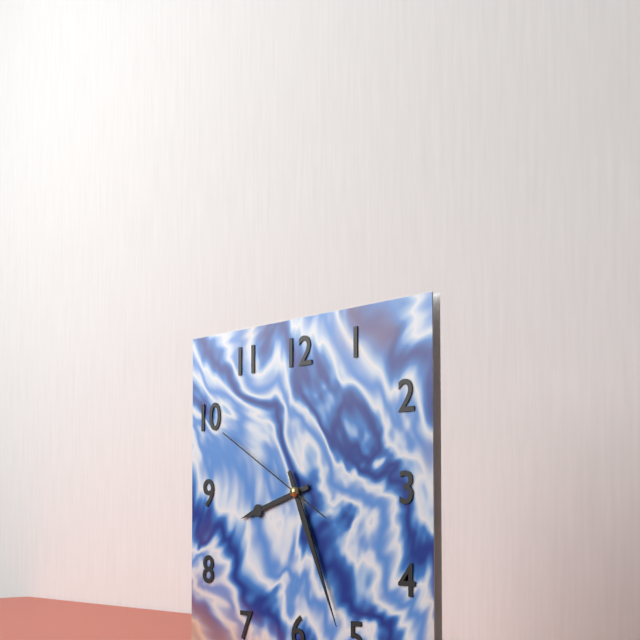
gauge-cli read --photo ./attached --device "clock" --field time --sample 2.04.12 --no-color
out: 8.26.50
